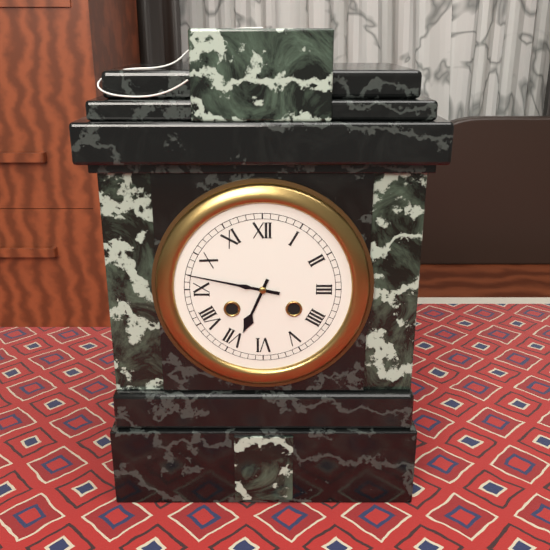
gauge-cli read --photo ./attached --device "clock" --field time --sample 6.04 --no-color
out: 6.47
